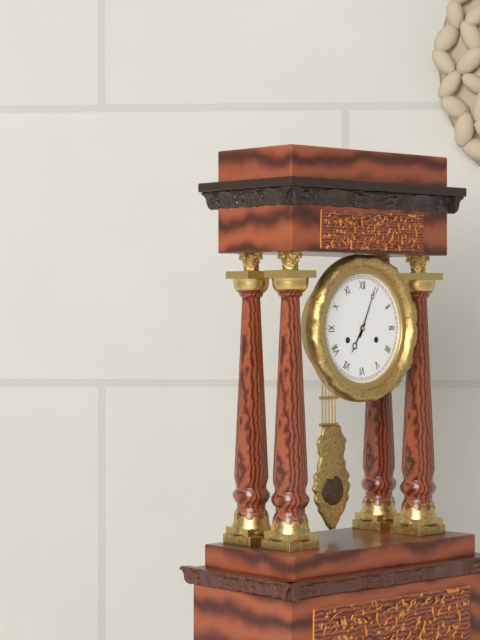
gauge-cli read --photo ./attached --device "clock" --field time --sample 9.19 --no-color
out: 7.04
